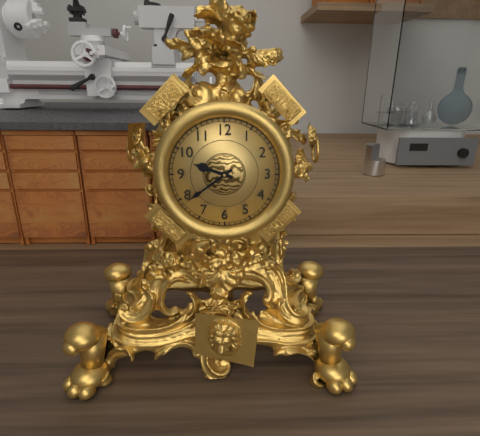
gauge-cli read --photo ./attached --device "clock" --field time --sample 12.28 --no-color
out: 9.39
